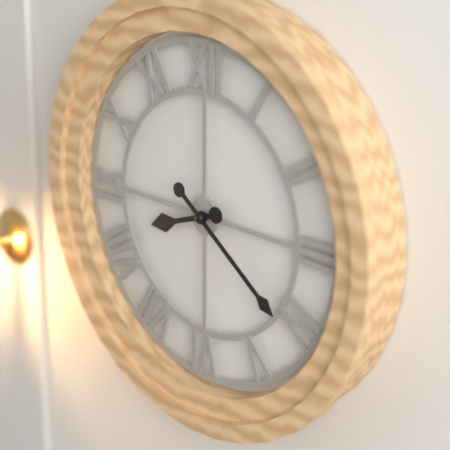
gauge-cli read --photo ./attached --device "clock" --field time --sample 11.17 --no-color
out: 8.21
